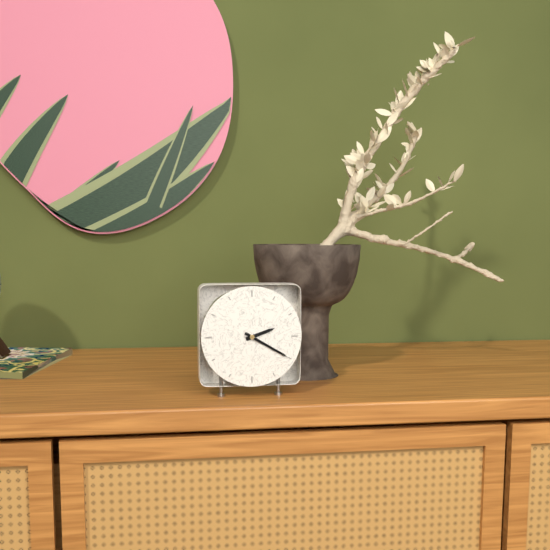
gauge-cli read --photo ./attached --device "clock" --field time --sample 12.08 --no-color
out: 2.20
